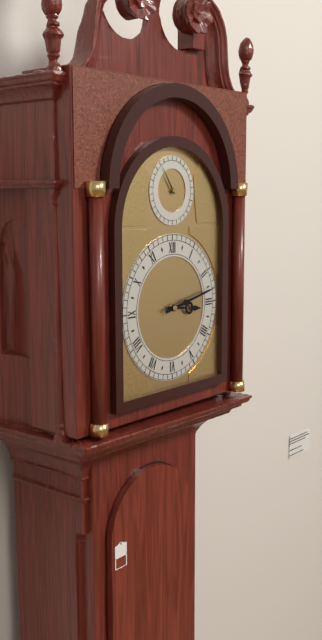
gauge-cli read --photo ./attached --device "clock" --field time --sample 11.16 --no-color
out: 3.13
